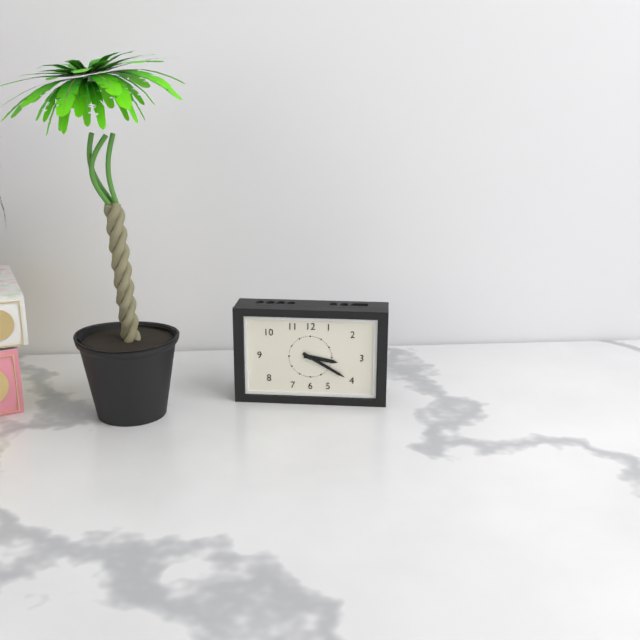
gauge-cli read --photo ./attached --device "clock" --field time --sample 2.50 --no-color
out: 3.20
